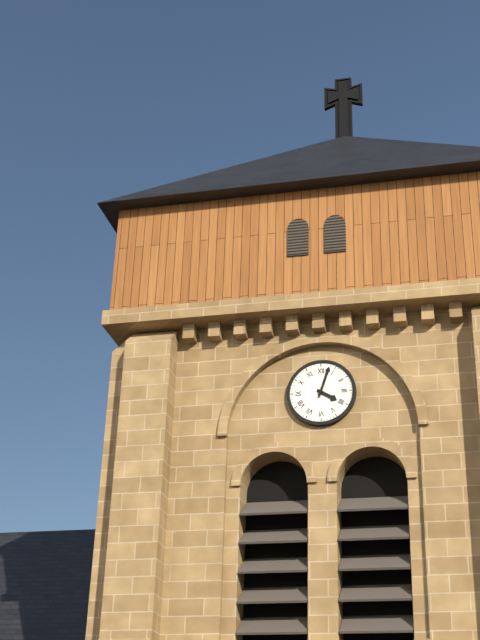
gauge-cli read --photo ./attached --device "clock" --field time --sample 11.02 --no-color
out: 4.03
